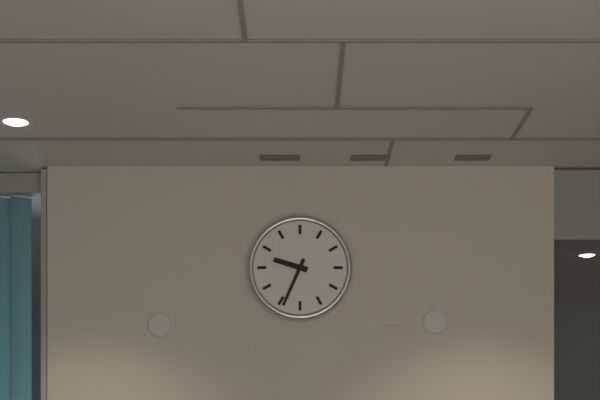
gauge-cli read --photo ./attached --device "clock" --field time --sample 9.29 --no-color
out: 9.34
